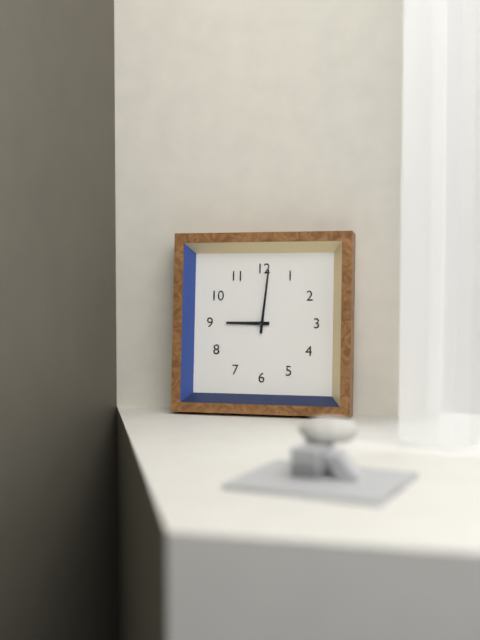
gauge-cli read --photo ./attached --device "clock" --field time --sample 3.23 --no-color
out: 9.01
